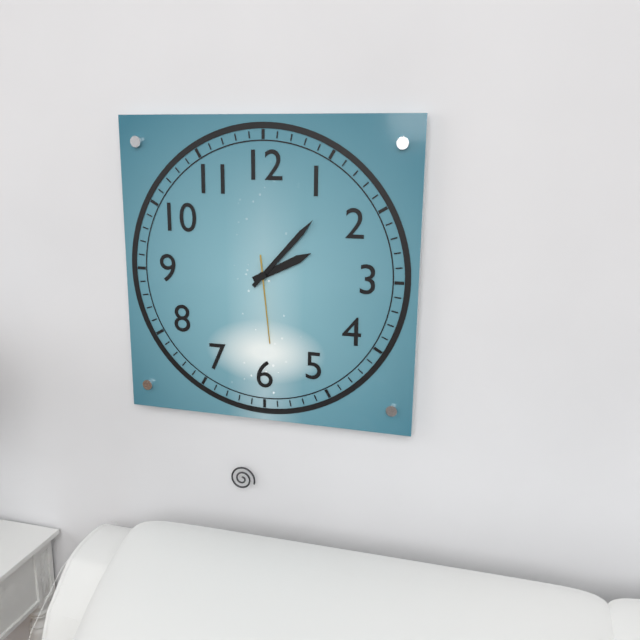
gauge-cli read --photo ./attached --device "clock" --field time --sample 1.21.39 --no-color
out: 2.07.29
